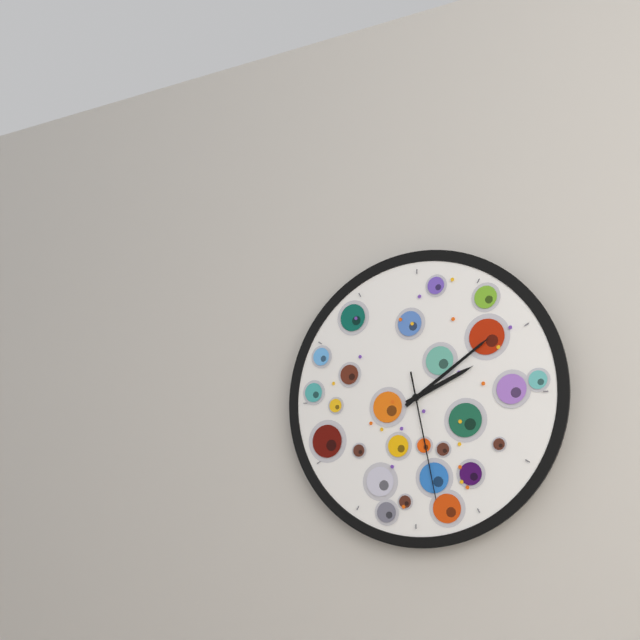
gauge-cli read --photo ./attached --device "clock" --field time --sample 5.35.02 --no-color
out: 2.09.28
